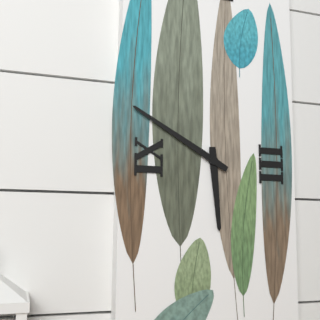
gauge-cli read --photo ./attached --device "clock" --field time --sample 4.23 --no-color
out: 5.50
